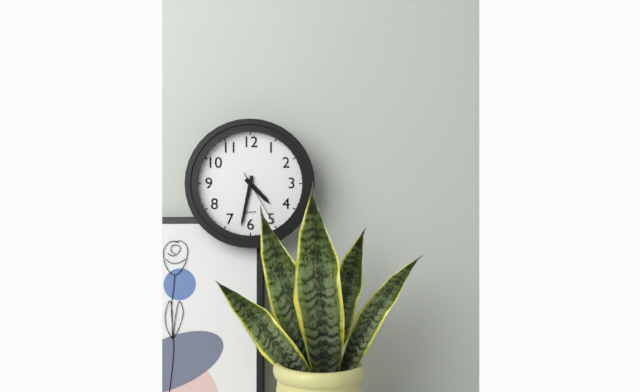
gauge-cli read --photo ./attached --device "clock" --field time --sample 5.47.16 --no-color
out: 4.32.25
